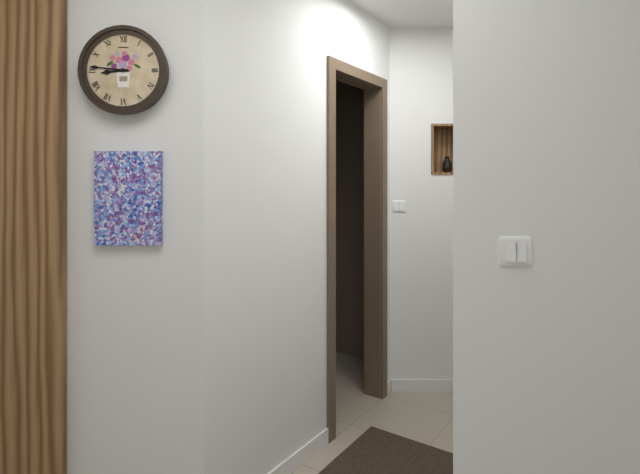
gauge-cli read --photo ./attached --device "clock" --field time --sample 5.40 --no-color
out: 8.46
